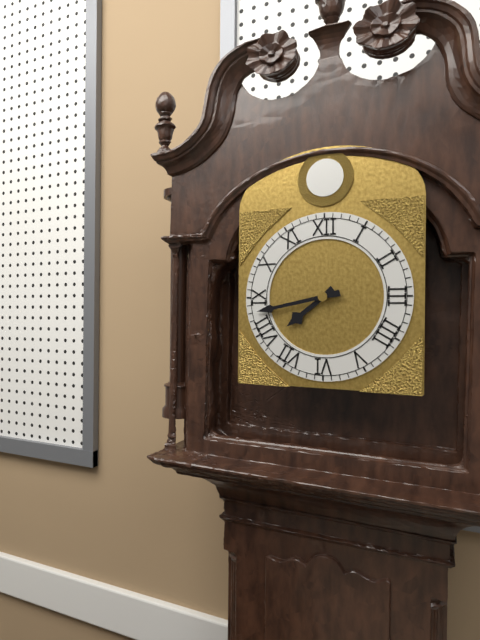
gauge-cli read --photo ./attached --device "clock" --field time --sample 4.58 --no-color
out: 7.43
